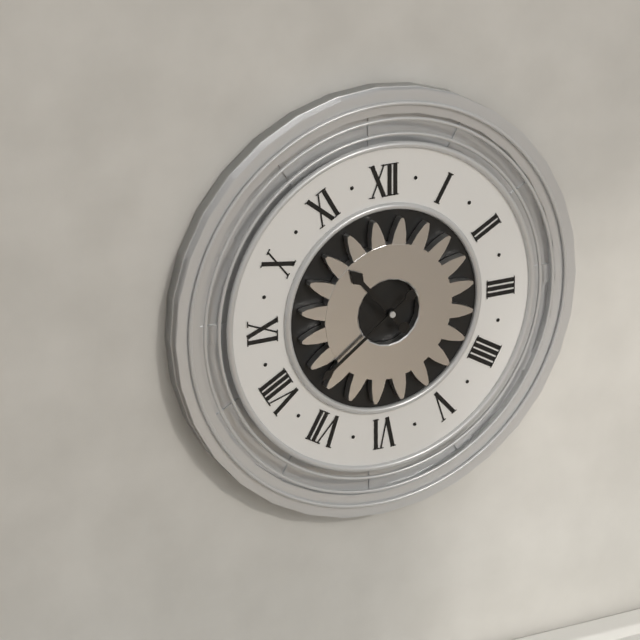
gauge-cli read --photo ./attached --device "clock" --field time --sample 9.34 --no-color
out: 10.39
